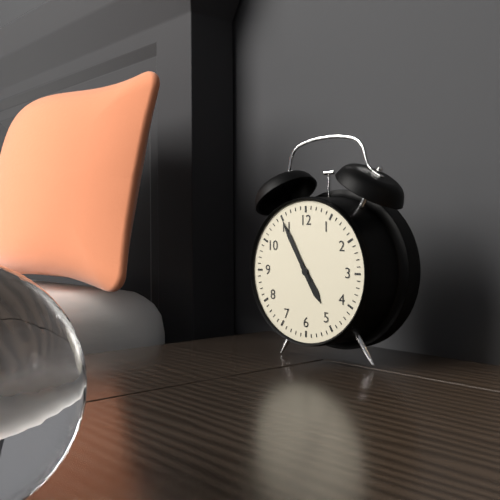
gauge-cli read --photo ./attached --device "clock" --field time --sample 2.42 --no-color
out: 4.55
